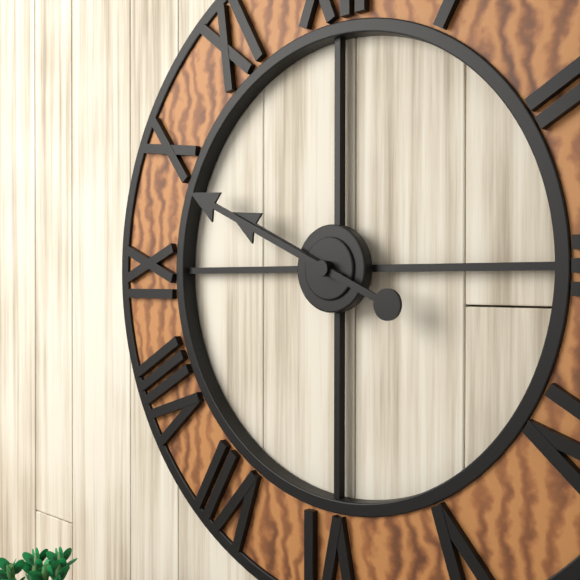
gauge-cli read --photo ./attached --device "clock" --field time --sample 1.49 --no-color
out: 9.49
